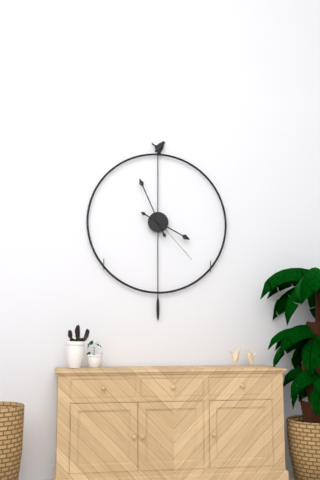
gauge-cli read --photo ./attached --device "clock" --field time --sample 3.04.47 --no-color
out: 3.56.23
